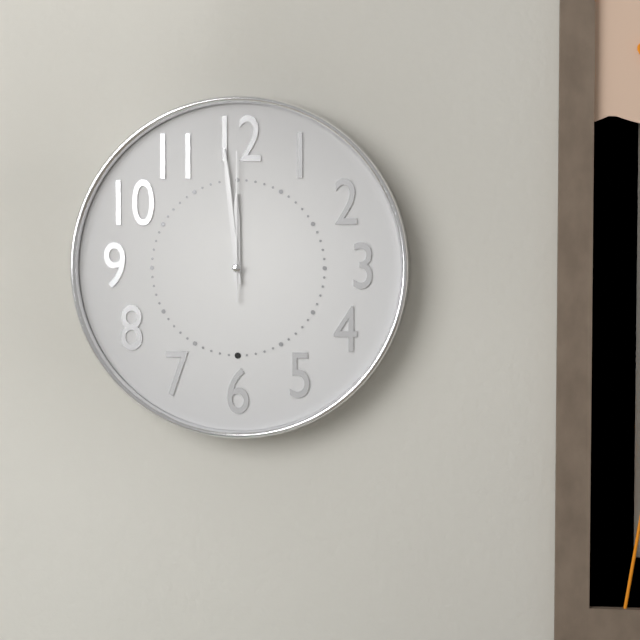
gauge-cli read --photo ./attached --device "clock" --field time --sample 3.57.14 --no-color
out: 11.59.00
